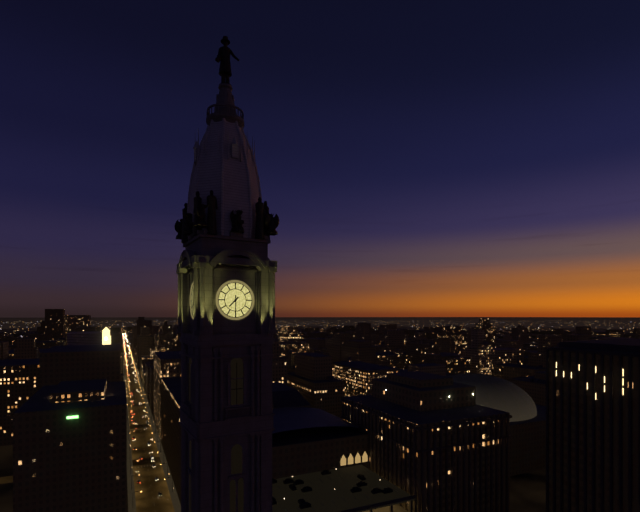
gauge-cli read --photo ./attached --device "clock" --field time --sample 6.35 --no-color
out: 7.30
